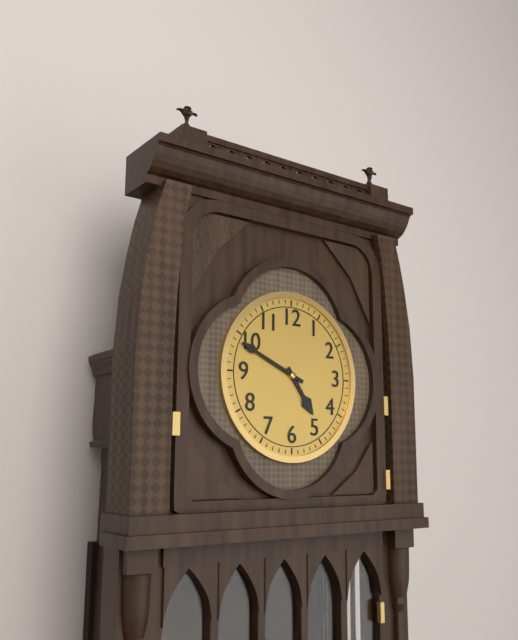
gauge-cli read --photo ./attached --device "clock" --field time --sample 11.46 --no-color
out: 4.49
